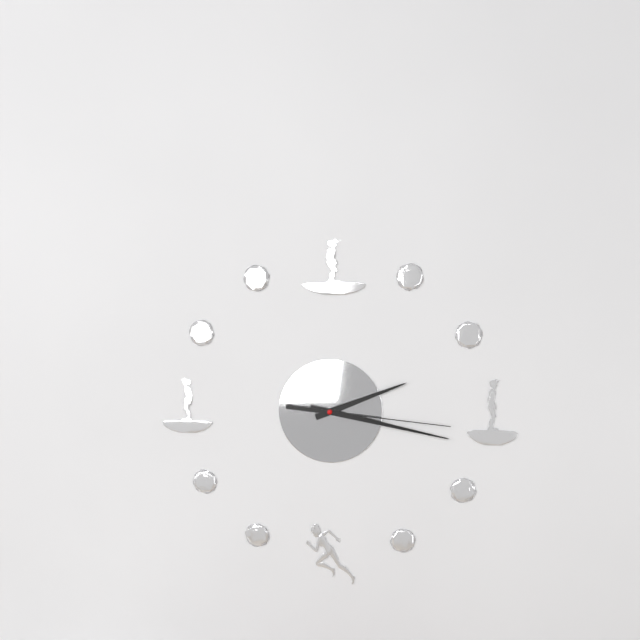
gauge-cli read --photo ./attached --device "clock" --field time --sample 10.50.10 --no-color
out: 2.17.16
